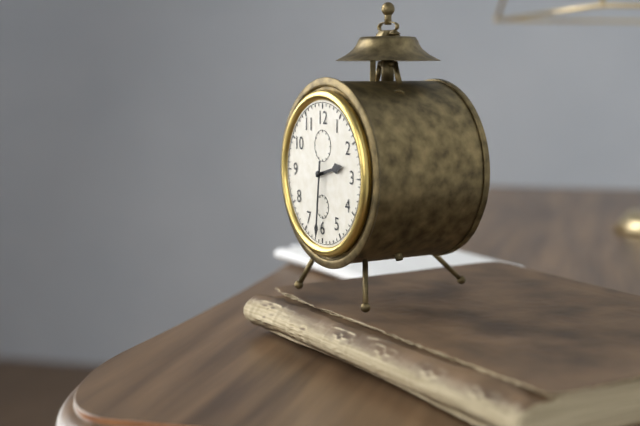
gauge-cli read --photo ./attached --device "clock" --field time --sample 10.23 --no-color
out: 2.31
